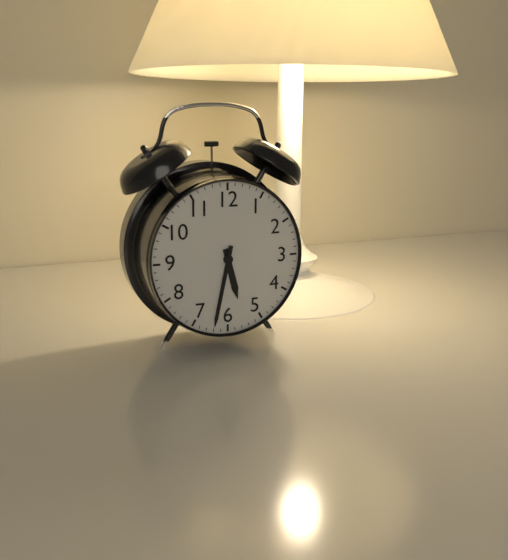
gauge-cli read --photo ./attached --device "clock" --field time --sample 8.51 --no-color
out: 5.32
